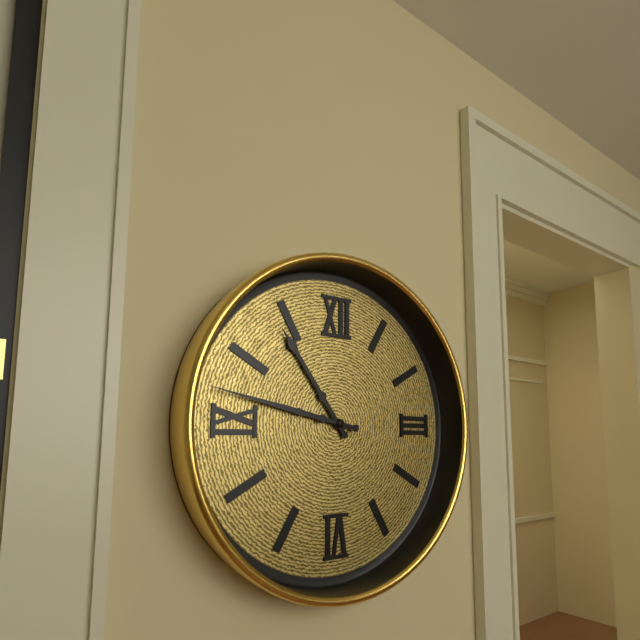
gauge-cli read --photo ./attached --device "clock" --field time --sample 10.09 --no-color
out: 10.47
